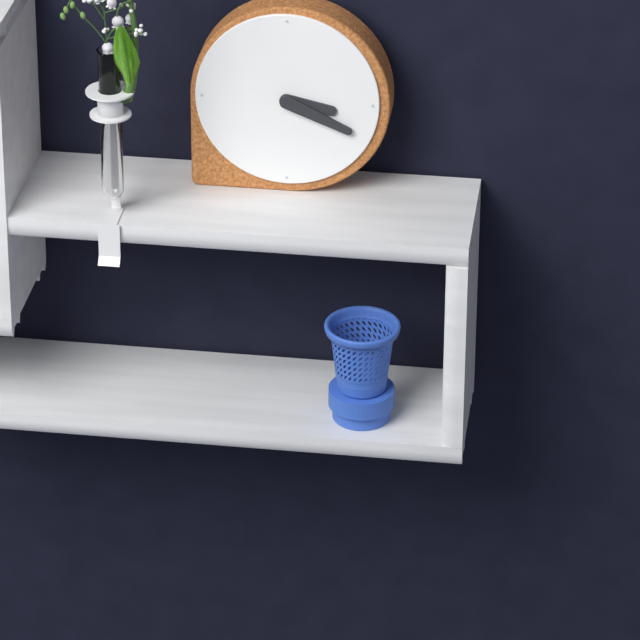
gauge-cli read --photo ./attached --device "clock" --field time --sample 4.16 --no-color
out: 3.19
